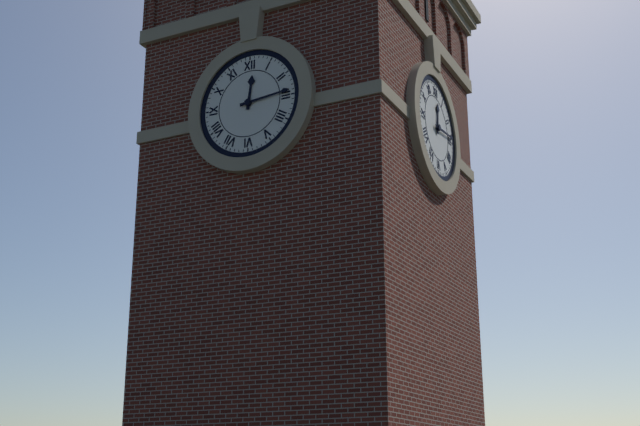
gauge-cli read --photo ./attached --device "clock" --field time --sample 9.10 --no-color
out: 12.14
